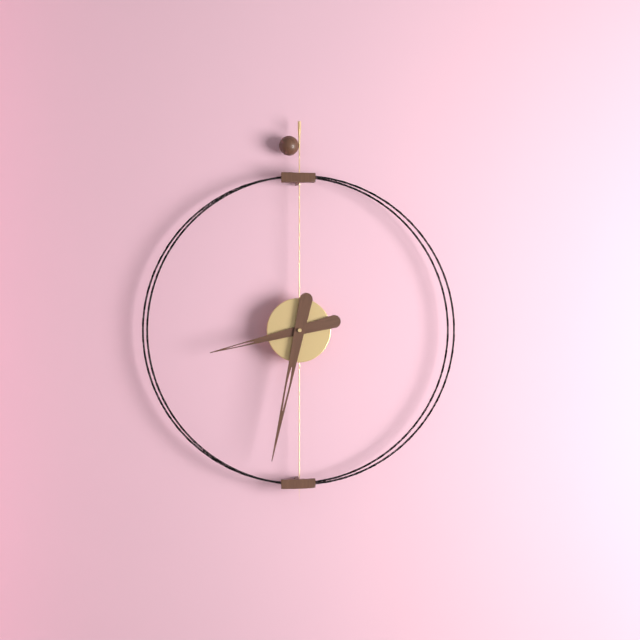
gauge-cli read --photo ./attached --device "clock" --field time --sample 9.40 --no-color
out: 8.32
